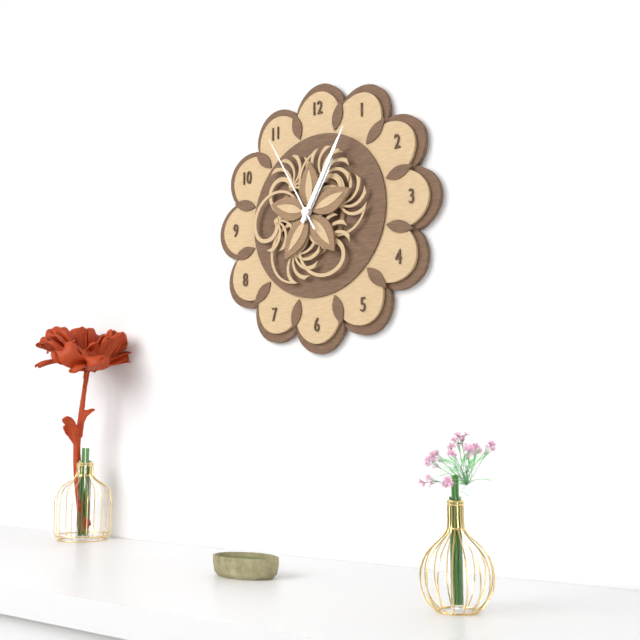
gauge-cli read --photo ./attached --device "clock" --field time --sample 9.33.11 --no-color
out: 1.05.55
